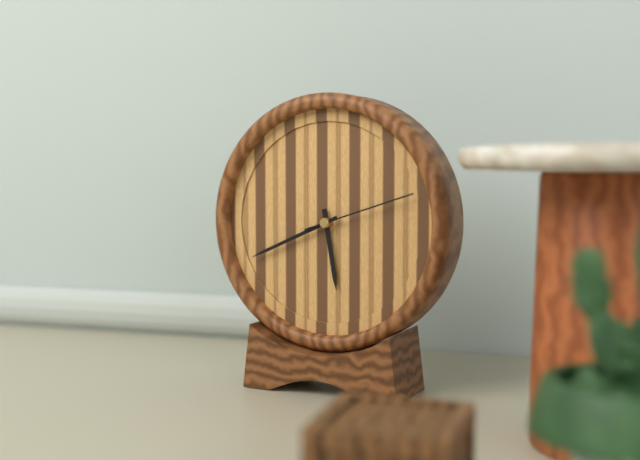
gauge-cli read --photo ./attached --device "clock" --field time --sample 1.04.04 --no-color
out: 5.41.12
